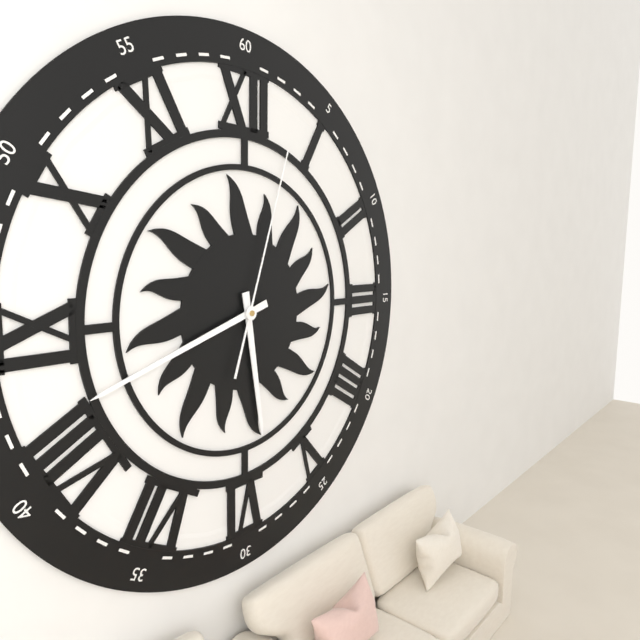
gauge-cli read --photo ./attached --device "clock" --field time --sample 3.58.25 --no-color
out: 5.42.03
